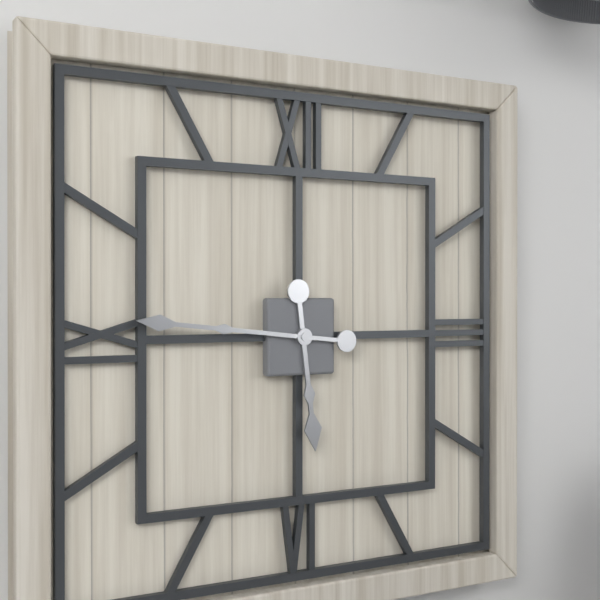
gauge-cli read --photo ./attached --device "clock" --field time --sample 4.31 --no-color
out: 5.46
